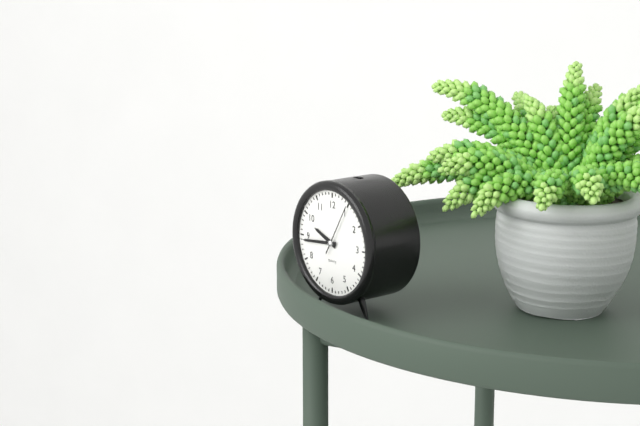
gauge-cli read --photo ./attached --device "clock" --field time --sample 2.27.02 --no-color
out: 9.44.05
